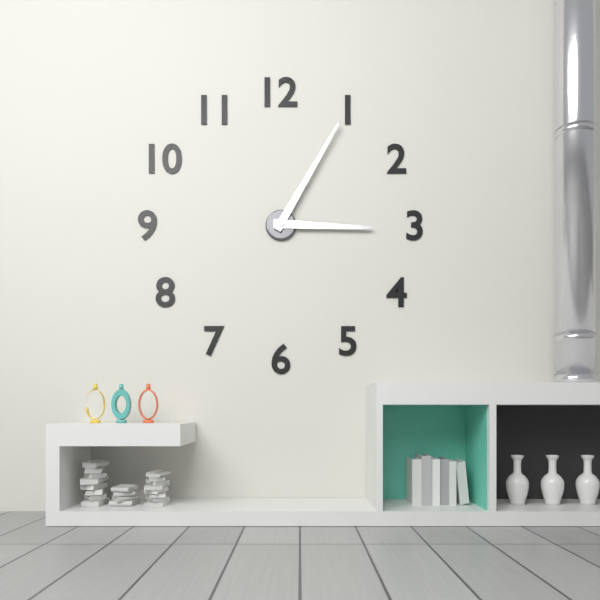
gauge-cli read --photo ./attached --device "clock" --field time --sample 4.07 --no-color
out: 3.05
